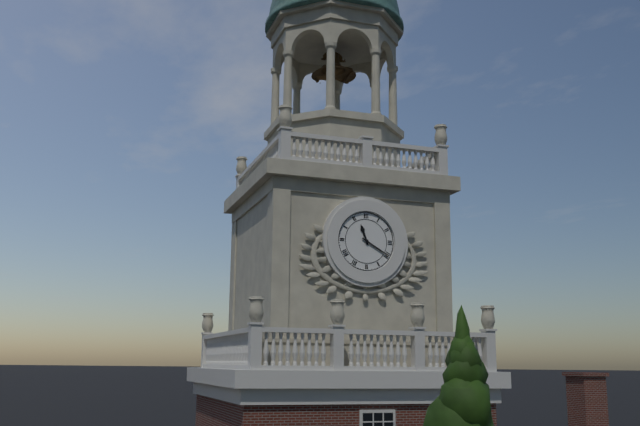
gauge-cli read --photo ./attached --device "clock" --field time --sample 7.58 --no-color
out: 11.20
